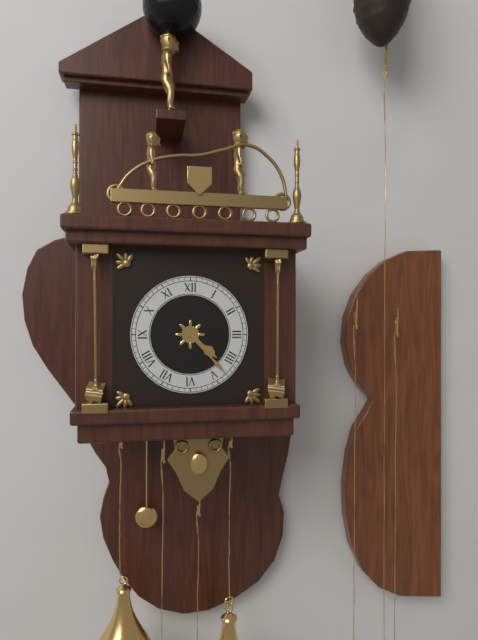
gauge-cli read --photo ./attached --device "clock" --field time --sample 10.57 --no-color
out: 4.23
